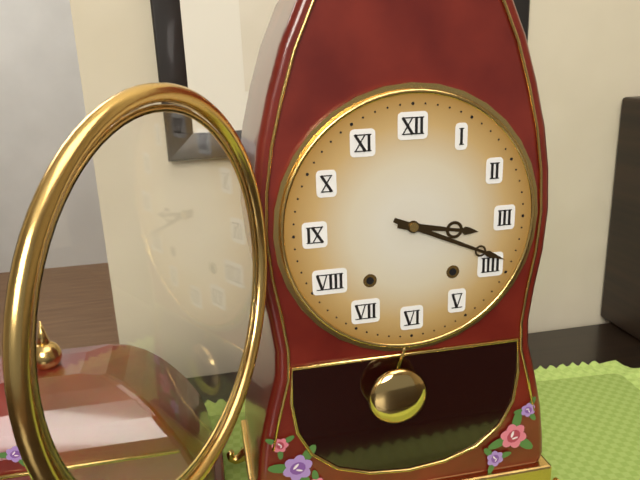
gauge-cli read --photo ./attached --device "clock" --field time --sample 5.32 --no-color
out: 3.19
